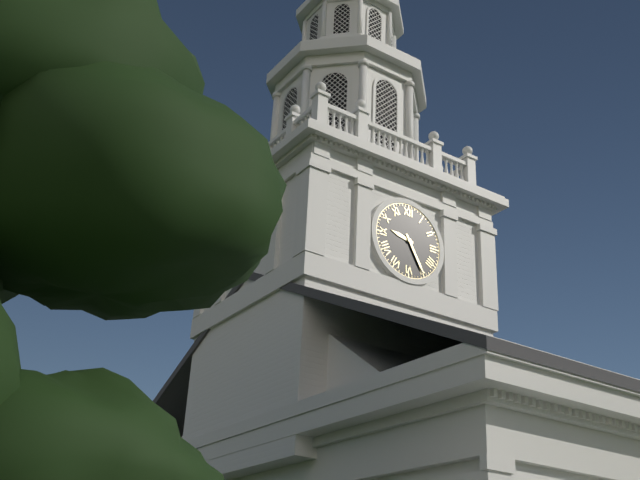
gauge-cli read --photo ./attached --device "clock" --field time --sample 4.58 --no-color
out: 9.25
